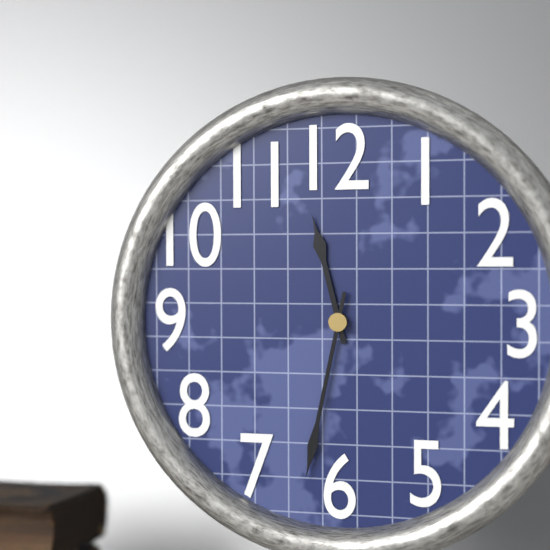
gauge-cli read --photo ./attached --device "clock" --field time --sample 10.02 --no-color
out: 11.32
